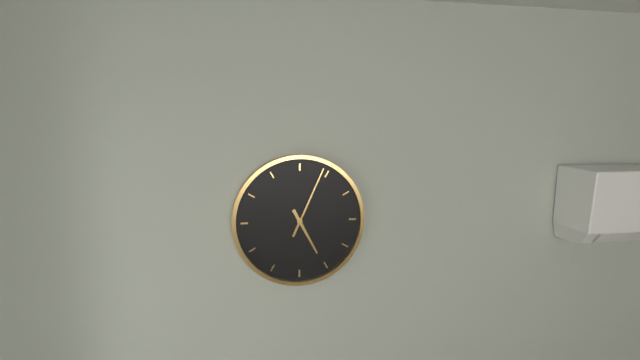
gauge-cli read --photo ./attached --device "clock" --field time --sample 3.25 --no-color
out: 5.04
